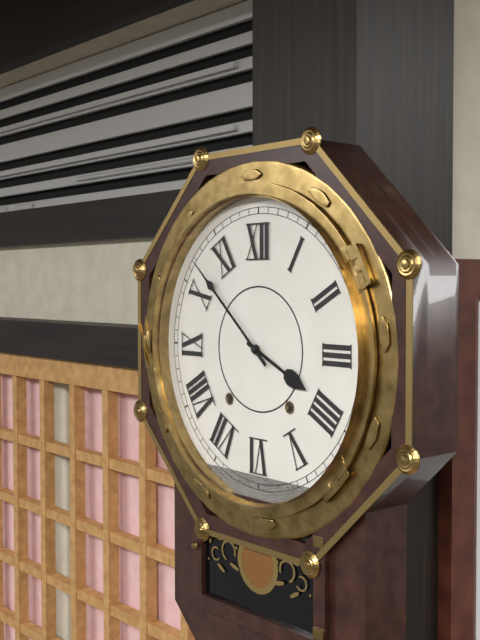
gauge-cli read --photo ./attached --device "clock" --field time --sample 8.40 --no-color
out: 3.52
